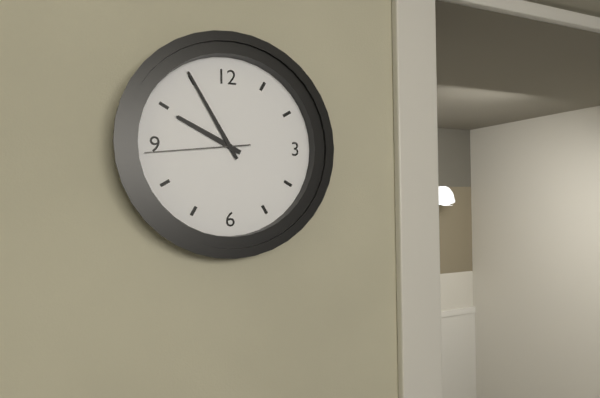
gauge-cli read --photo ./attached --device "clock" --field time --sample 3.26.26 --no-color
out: 9.55.44
